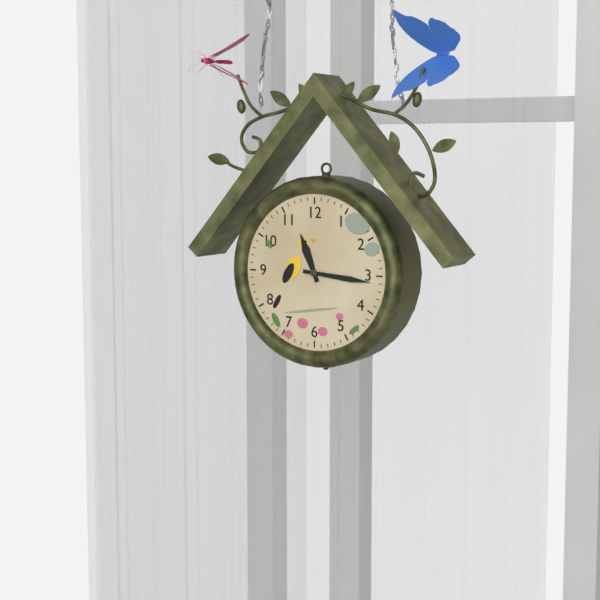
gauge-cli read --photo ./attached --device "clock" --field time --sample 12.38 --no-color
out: 11.16
